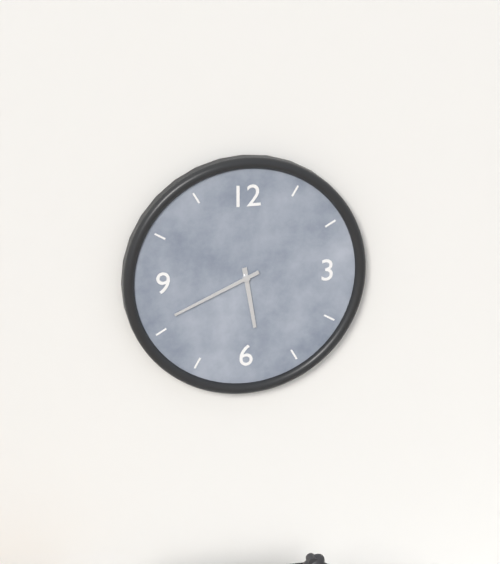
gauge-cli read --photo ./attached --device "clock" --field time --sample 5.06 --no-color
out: 5.41
